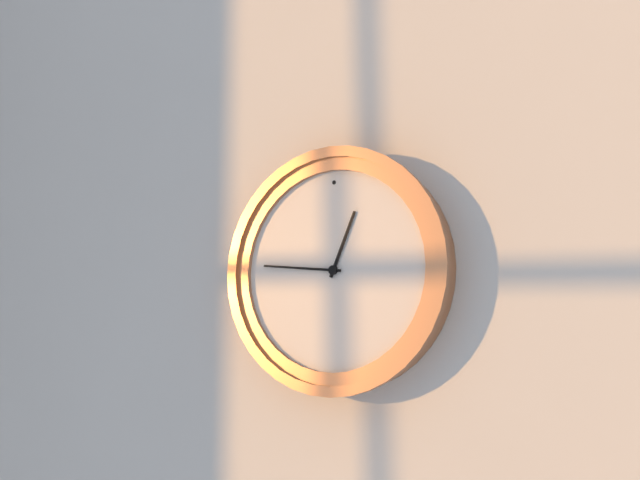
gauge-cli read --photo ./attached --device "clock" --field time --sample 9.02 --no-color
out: 12.46
